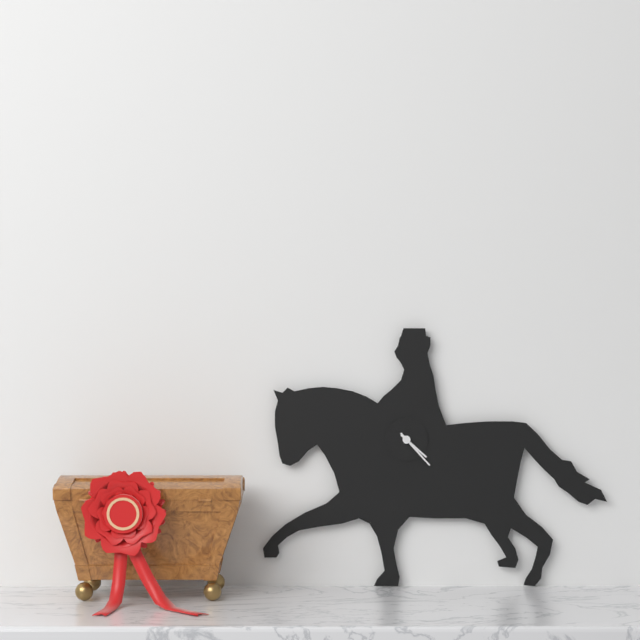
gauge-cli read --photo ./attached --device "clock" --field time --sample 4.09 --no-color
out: 4.23
